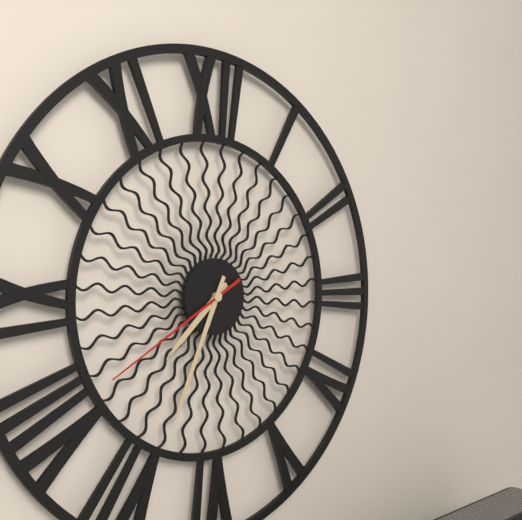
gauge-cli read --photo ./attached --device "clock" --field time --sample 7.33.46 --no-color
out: 7.34.40
